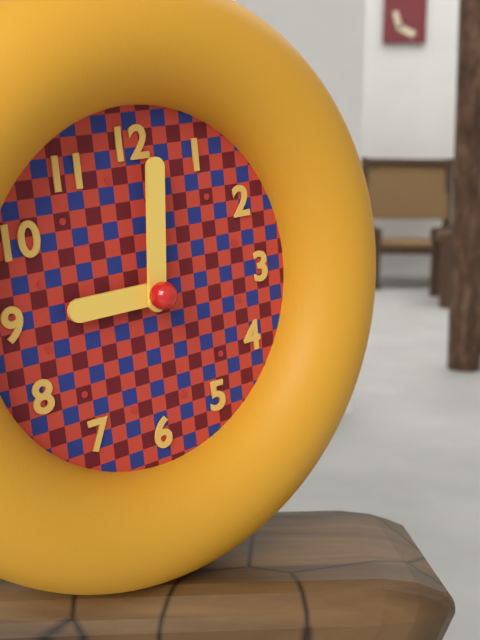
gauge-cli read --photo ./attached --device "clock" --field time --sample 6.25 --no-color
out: 9.01
